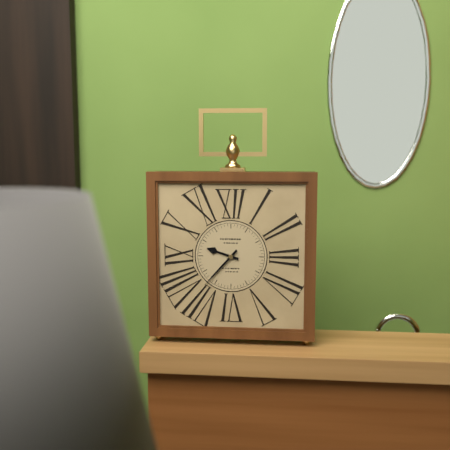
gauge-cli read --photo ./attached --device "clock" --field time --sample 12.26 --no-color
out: 9.37
